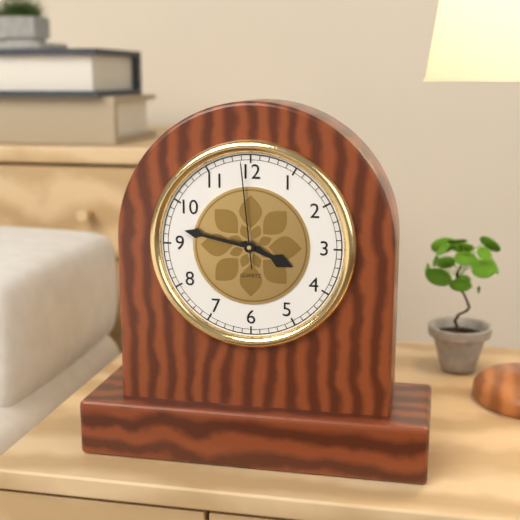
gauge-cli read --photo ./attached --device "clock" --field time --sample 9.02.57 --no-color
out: 3.47.59
